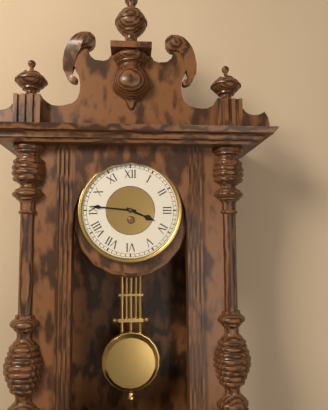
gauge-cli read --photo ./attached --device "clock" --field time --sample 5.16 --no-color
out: 3.46
